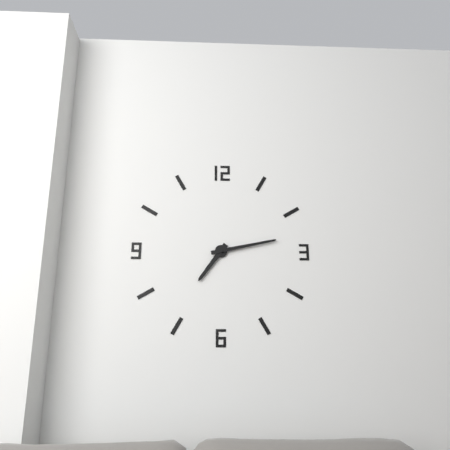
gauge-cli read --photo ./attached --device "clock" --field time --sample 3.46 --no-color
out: 7.13
